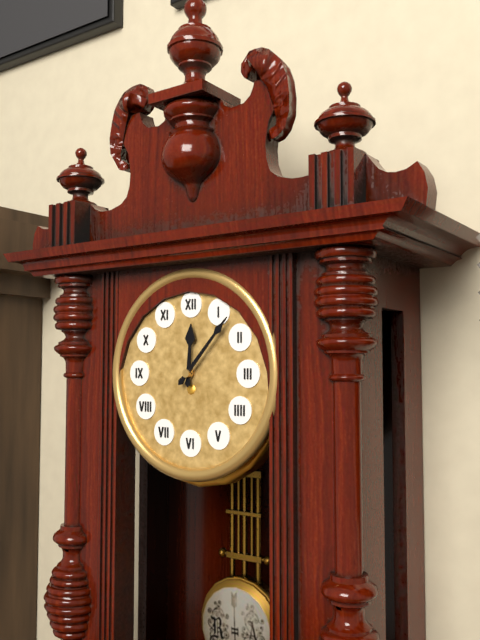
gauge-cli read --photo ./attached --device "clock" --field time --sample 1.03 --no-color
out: 12.07
